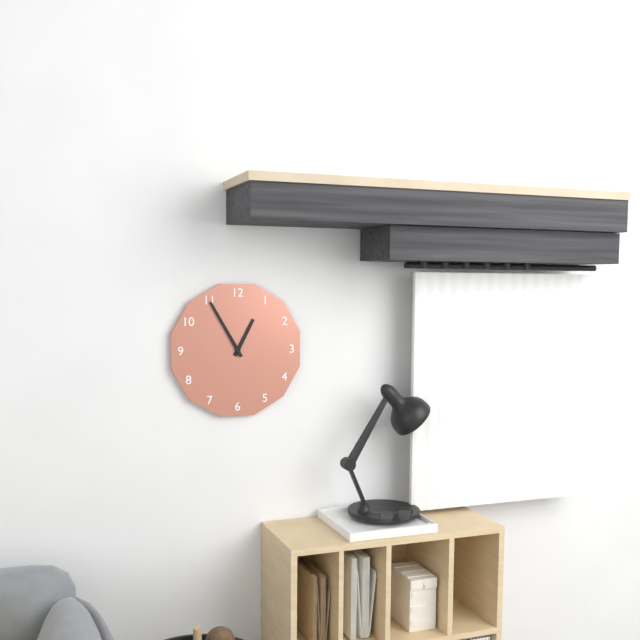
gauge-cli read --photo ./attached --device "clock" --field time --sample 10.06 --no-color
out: 12.55
